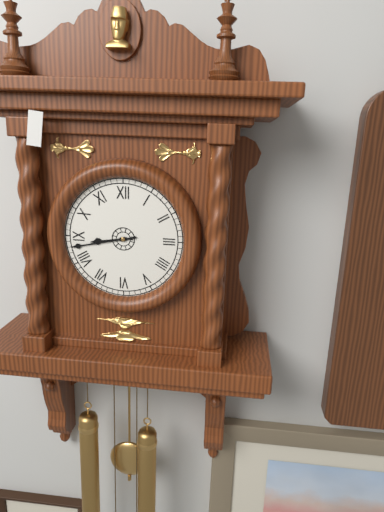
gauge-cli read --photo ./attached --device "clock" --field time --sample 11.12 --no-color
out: 8.43
